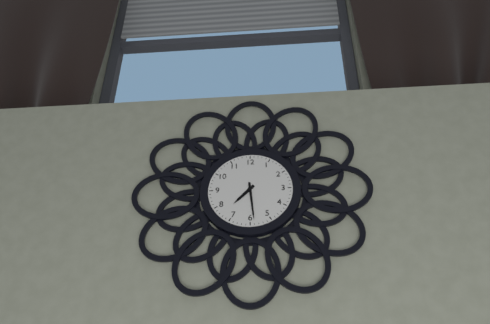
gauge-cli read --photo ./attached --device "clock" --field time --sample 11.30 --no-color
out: 7.29
